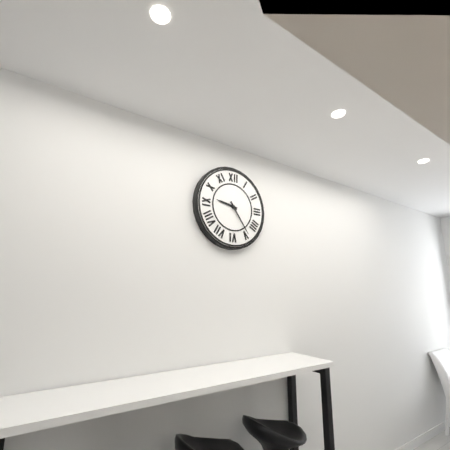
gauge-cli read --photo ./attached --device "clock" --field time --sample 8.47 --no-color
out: 9.24
